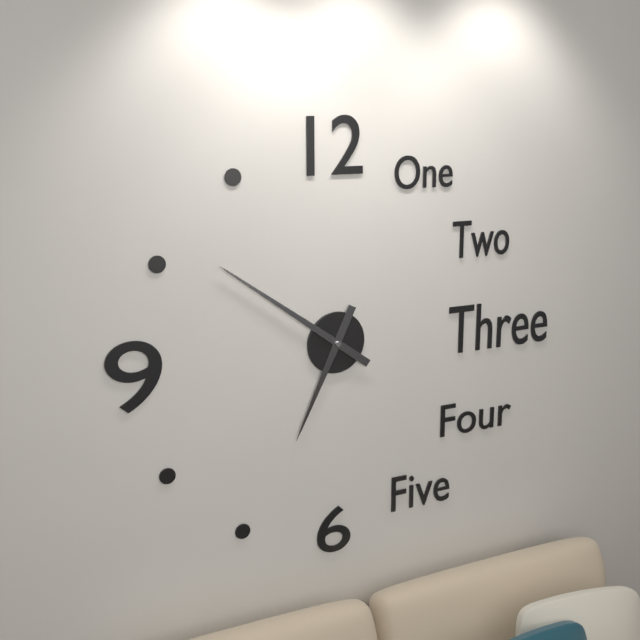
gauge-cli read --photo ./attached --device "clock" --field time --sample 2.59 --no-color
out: 6.51
